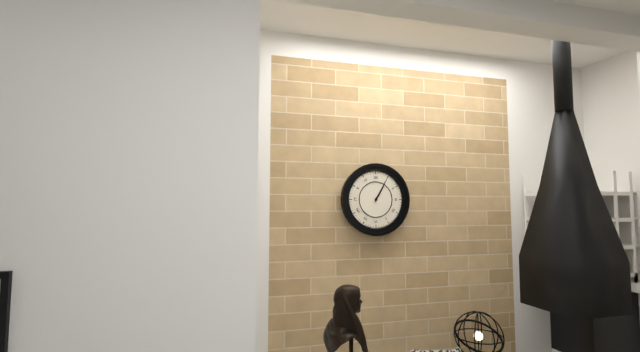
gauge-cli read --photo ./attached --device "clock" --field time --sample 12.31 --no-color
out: 1.05
